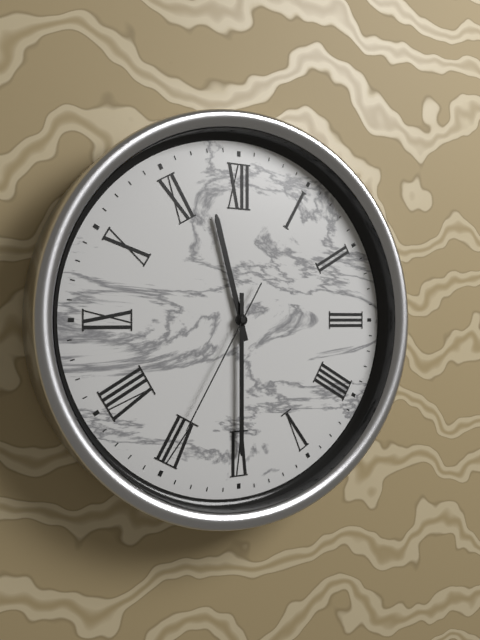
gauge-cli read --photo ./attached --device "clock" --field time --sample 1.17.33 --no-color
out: 11.30.35
